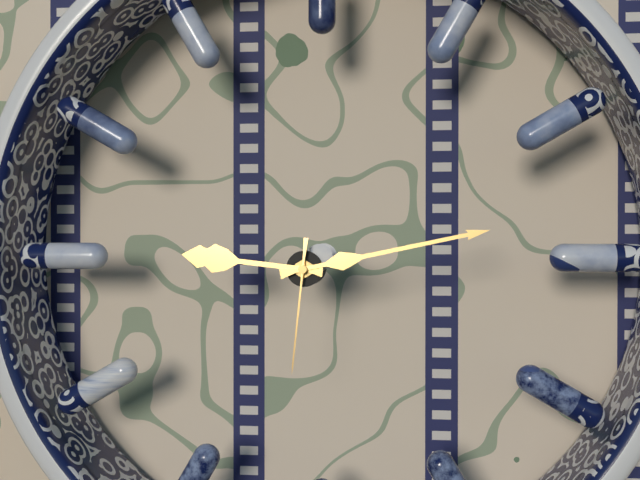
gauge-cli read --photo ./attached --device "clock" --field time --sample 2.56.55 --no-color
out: 9.13.31
